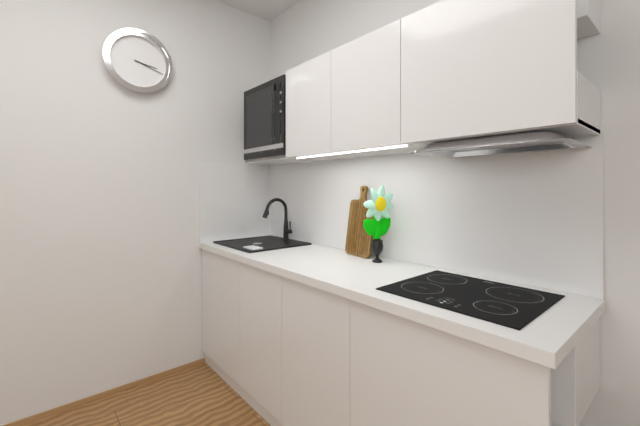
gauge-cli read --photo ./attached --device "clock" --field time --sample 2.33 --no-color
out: 3.18
